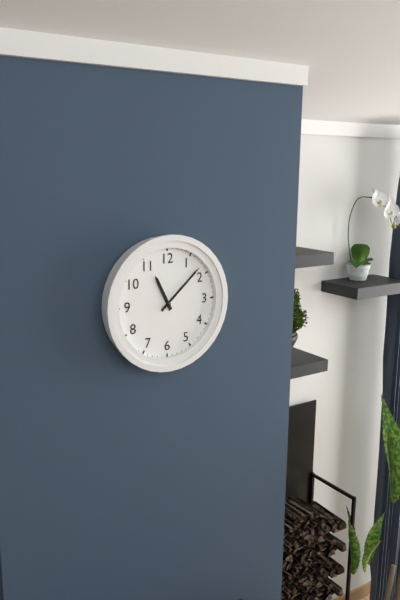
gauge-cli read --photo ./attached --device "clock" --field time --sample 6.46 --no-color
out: 11.08
